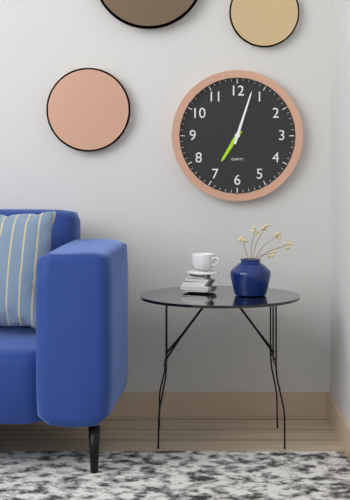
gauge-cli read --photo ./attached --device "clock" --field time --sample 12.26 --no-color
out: 7.03
